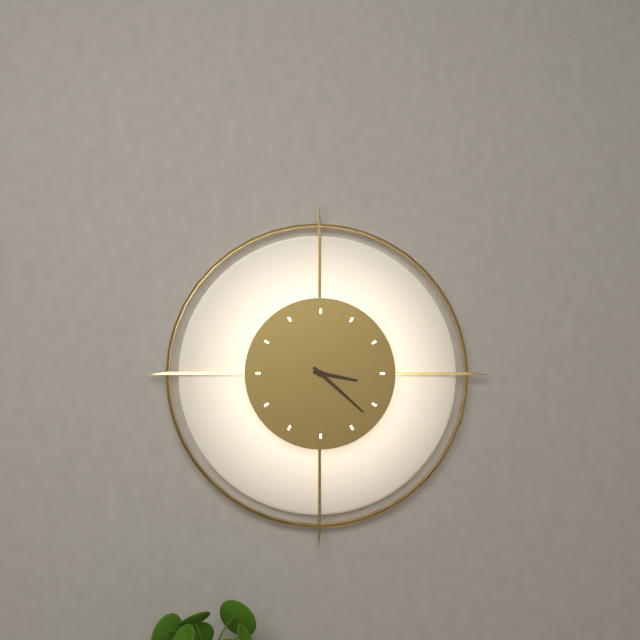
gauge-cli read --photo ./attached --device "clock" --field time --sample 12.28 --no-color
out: 3.22
